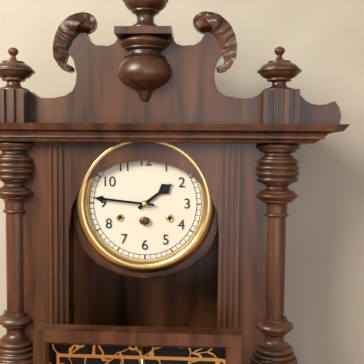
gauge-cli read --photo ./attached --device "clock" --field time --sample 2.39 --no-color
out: 1.46
